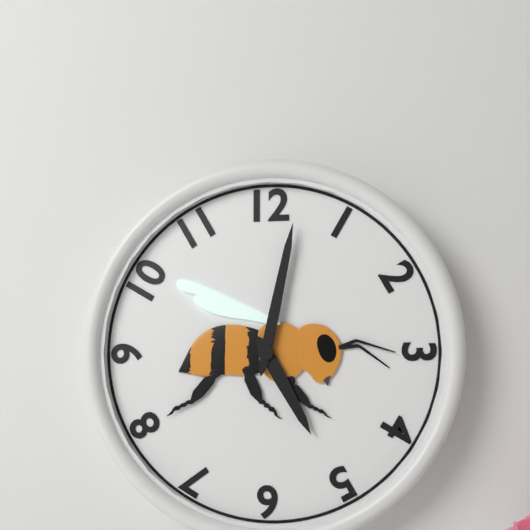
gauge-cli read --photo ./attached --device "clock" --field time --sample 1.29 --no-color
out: 5.02
